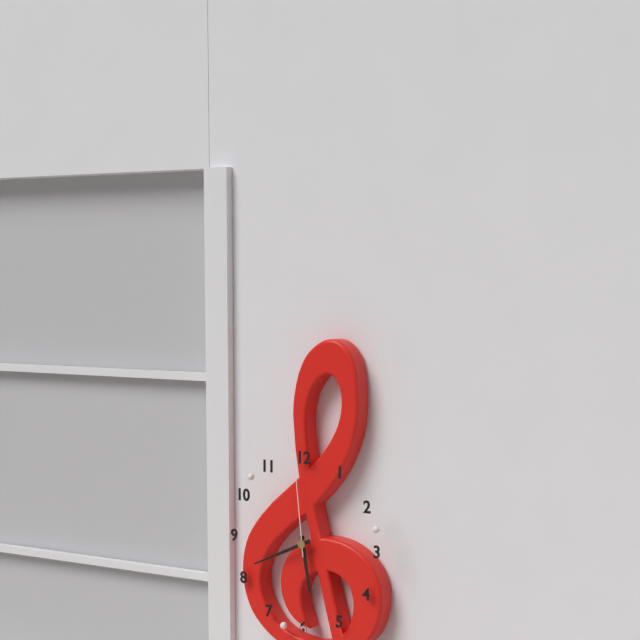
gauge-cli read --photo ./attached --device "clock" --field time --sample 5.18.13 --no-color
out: 5.41.59
